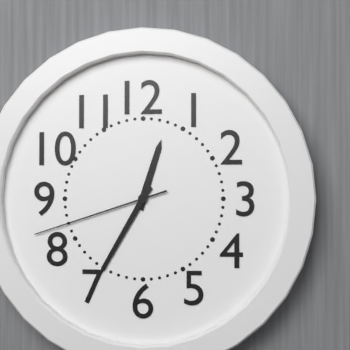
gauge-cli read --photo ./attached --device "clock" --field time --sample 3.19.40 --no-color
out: 12.35.42
